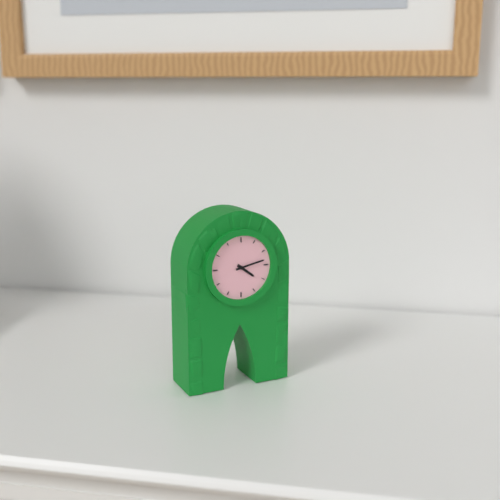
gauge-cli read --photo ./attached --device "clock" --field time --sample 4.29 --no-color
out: 4.13
